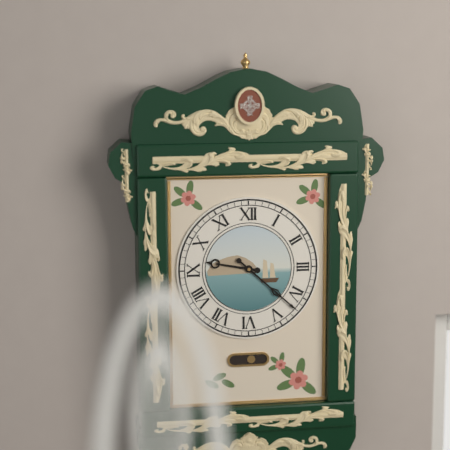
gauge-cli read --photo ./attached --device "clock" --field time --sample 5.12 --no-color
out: 9.22
